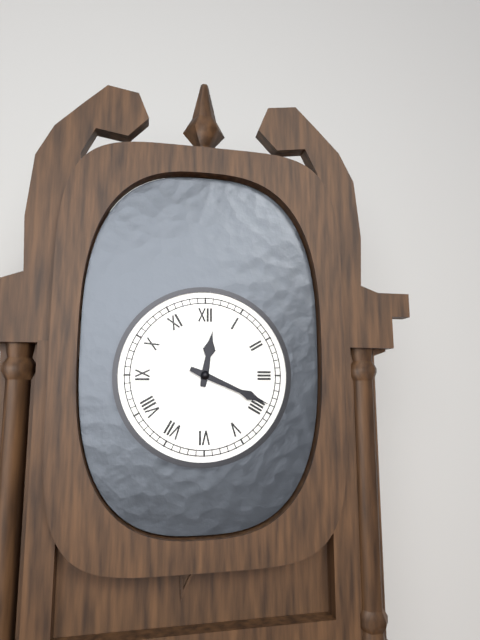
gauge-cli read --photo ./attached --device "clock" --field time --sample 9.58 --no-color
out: 12.19
